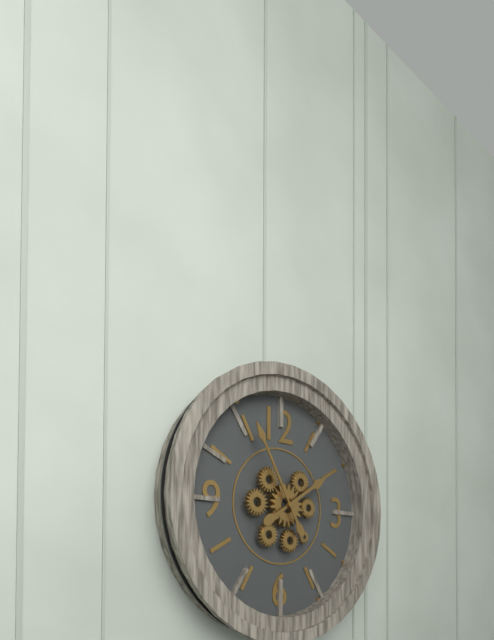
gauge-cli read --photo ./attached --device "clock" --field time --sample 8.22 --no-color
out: 1.55
